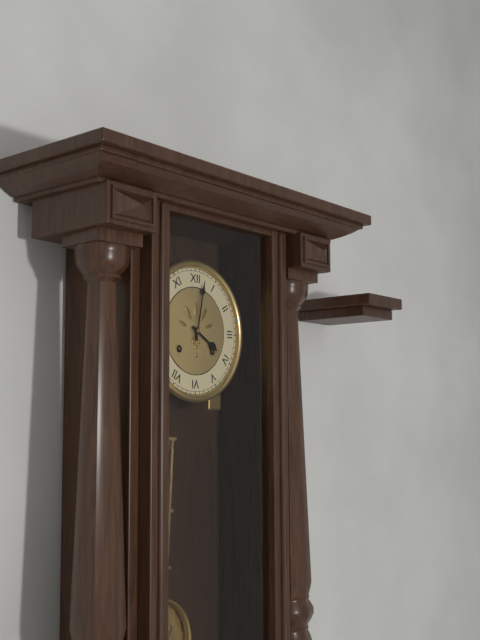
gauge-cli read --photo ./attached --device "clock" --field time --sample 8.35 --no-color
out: 4.02
